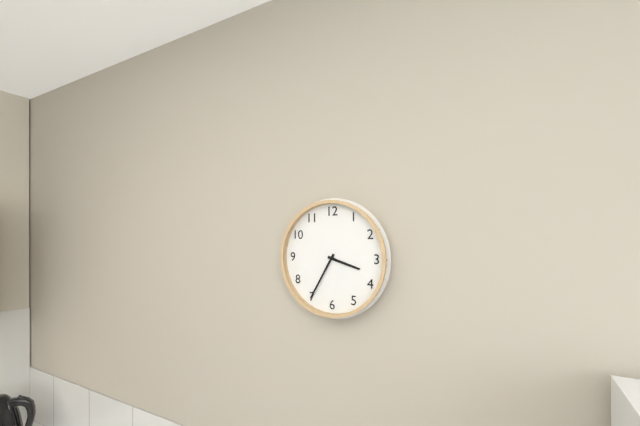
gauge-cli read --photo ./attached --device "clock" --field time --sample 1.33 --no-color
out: 3.35
